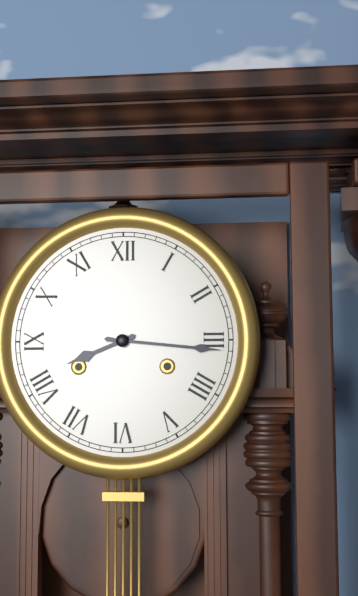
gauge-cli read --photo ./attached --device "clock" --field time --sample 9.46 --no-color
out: 8.16
